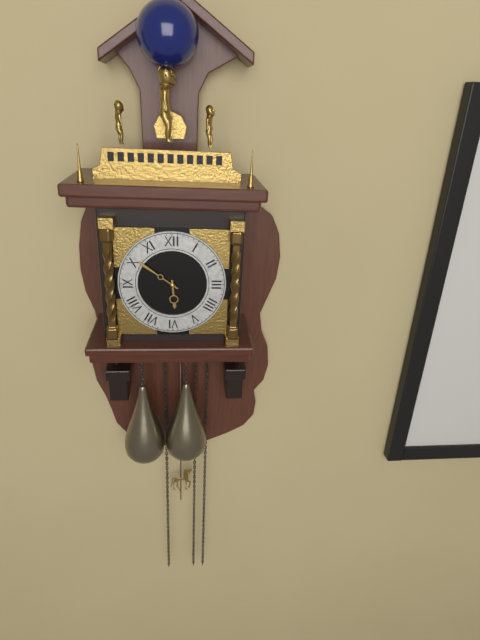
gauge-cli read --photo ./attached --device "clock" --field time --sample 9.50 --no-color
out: 5.51
